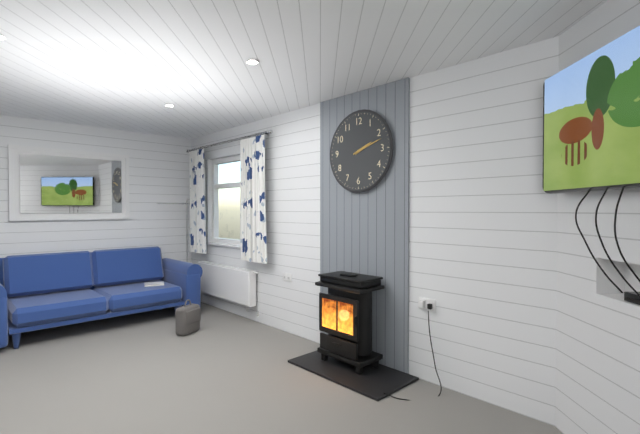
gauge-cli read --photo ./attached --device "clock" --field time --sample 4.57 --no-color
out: 2.12
